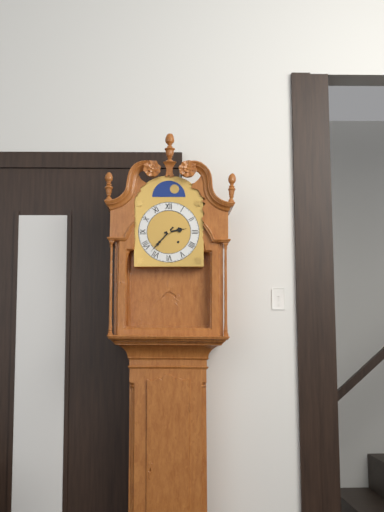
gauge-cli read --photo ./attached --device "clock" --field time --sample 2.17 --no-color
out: 2.37
